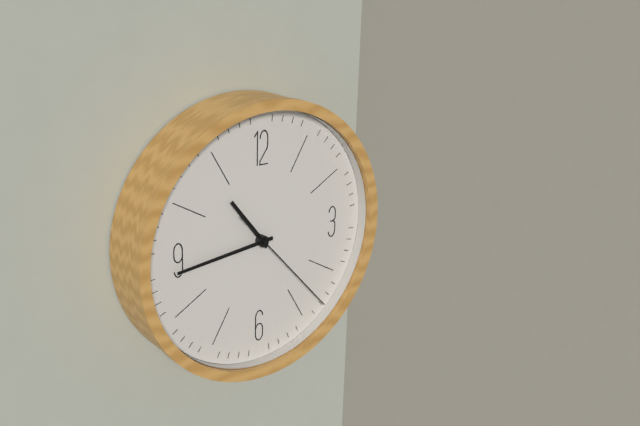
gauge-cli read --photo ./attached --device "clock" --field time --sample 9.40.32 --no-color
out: 10.44.23
